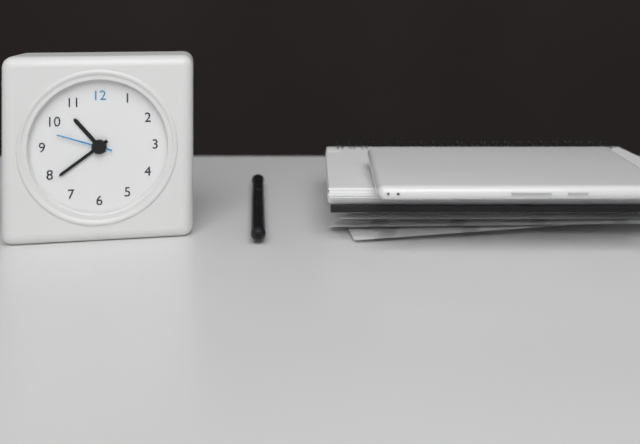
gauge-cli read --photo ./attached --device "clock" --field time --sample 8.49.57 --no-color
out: 10.39.48
